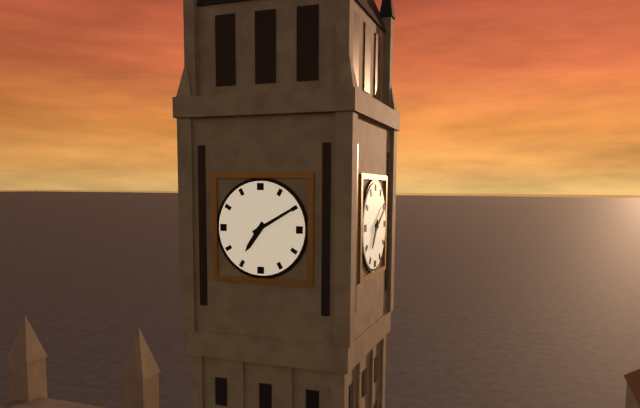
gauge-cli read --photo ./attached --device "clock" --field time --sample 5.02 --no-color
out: 7.10
